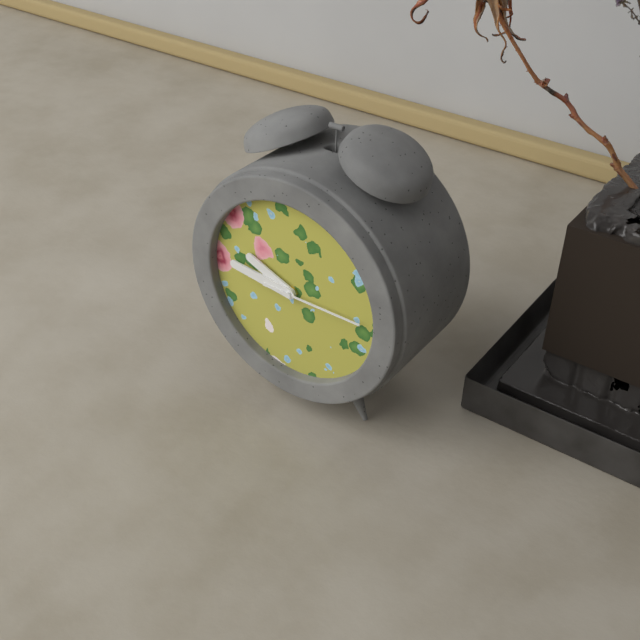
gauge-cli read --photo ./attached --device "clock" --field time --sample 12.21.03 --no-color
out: 9.46.15
